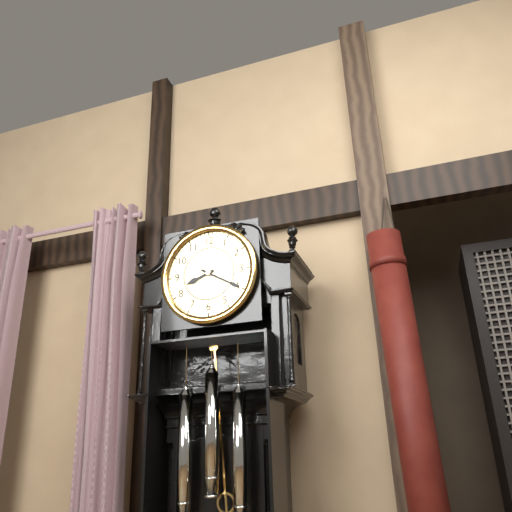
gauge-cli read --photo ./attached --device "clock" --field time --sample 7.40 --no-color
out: 8.20
